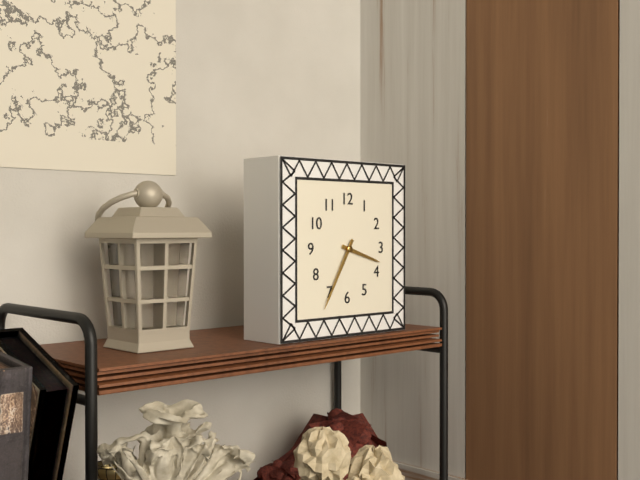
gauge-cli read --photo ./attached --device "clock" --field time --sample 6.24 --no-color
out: 3.35
